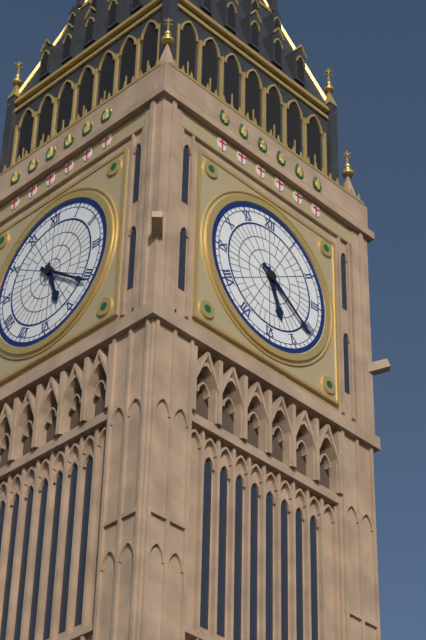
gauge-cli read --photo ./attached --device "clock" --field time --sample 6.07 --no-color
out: 5.21
